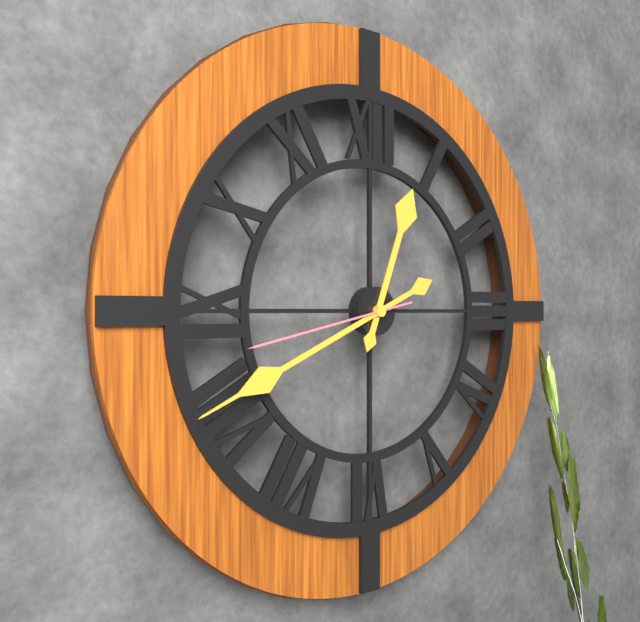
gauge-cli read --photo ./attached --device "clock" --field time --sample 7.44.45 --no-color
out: 12.41.43
